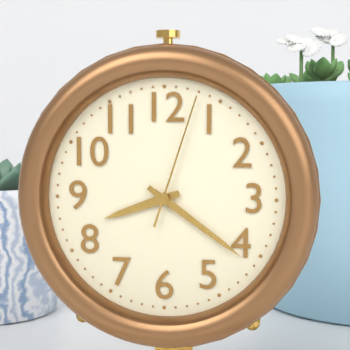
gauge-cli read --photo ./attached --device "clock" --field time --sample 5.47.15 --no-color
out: 8.21.03
